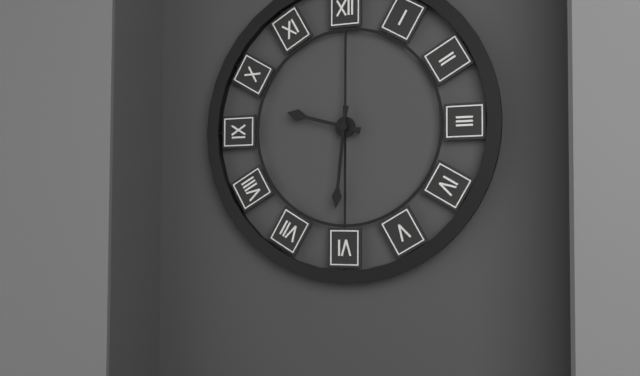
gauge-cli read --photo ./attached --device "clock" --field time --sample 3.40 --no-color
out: 9.31
